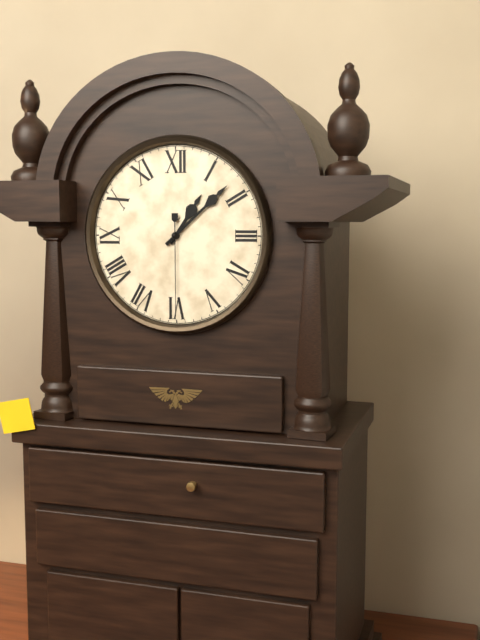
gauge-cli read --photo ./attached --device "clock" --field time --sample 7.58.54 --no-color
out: 1.08.30
